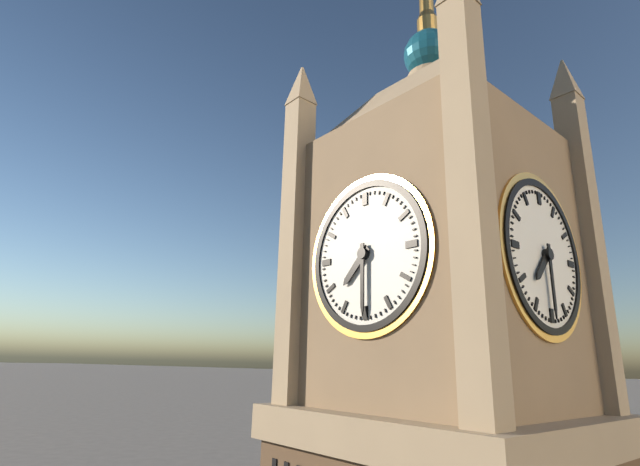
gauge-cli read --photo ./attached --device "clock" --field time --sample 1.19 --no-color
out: 7.30
